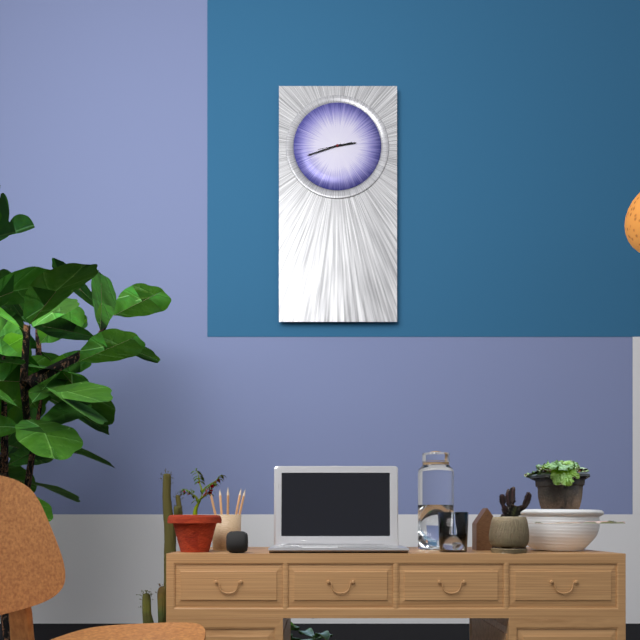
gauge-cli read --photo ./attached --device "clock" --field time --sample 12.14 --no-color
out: 2.42
